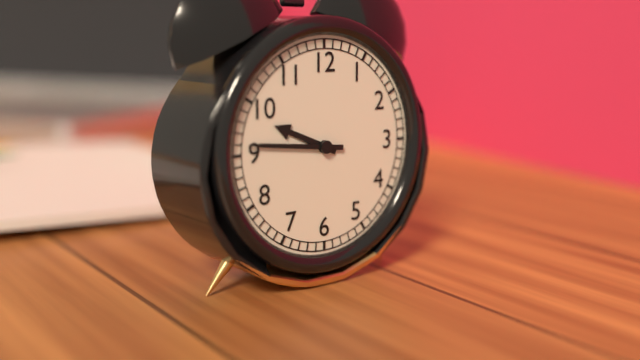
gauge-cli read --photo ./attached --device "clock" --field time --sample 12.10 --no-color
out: 9.46
